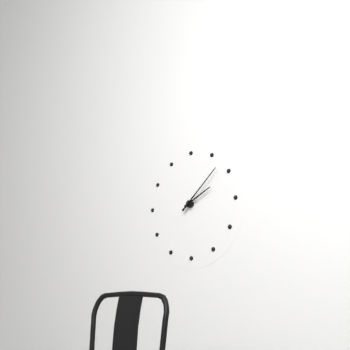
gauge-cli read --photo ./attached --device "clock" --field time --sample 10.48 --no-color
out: 2.08
